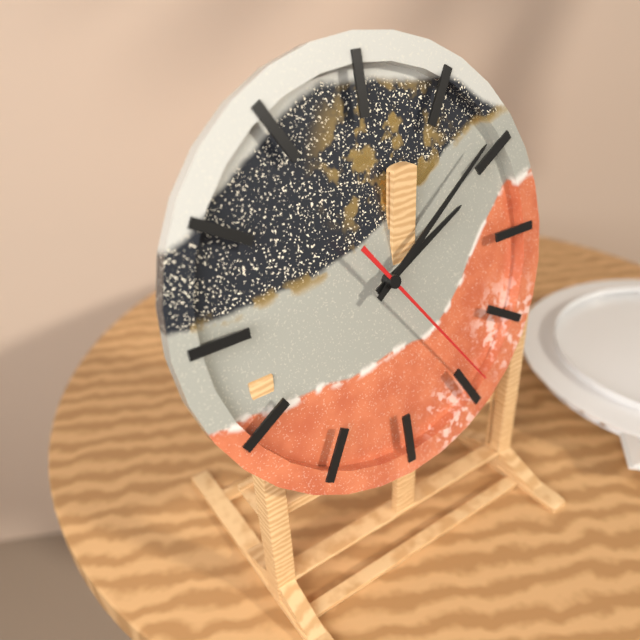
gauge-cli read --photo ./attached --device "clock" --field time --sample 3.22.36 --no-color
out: 2.09.24
